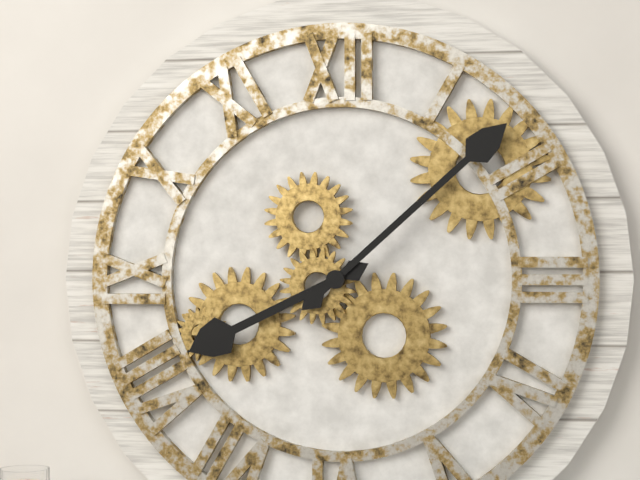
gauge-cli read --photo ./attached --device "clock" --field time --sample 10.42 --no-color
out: 8.08
